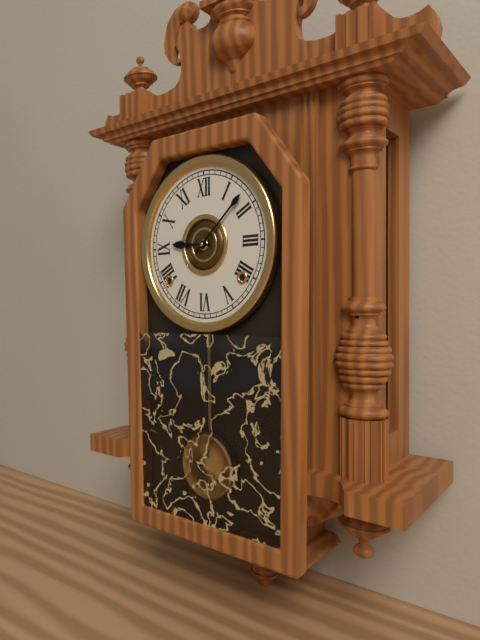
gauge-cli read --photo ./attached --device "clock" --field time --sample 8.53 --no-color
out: 9.08
